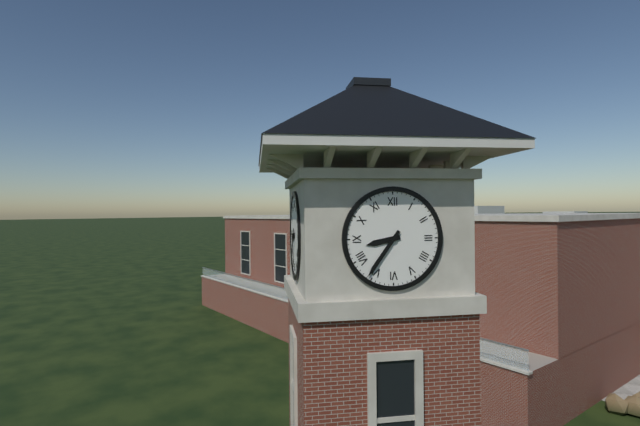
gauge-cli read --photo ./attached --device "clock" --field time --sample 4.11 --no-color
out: 8.36
